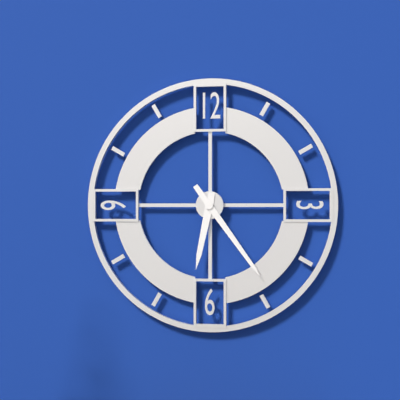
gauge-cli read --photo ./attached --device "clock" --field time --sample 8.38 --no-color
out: 6.24
